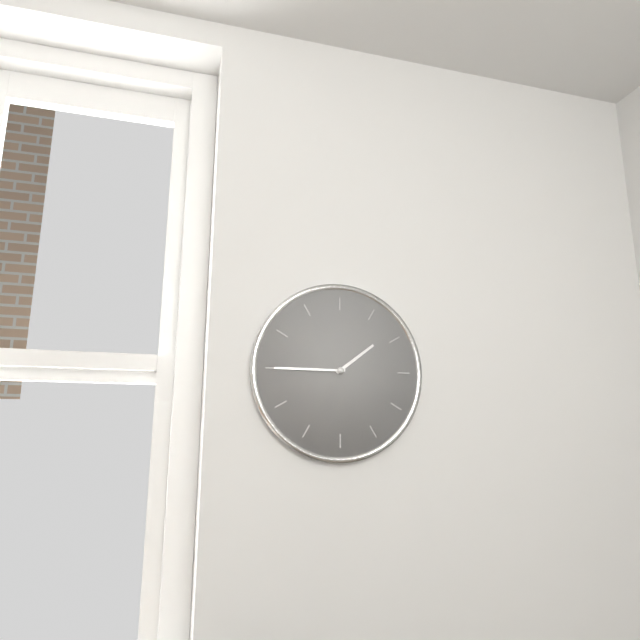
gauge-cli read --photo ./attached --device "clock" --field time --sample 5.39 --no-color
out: 1.45
